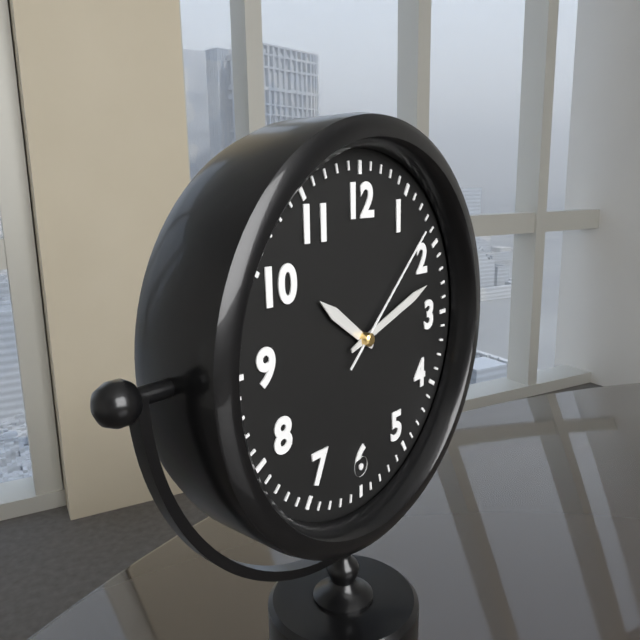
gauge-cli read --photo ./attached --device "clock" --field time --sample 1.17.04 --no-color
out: 10.12.08
